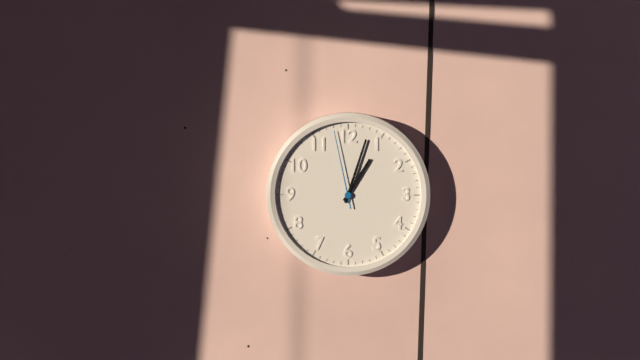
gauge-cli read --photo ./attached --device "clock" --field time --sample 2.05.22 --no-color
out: 1.03.58
